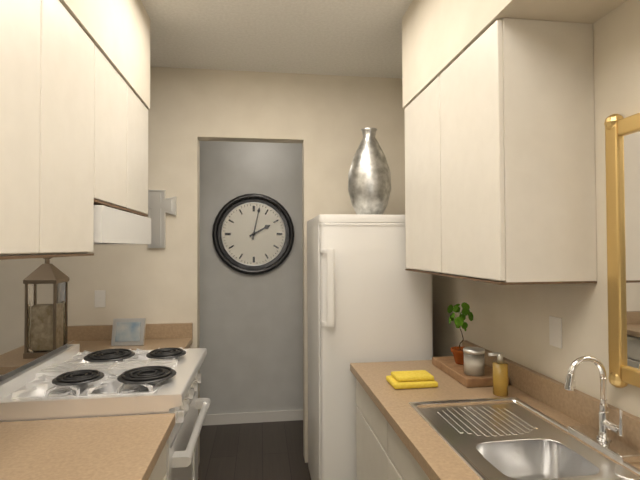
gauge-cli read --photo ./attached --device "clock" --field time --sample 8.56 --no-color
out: 2.02
